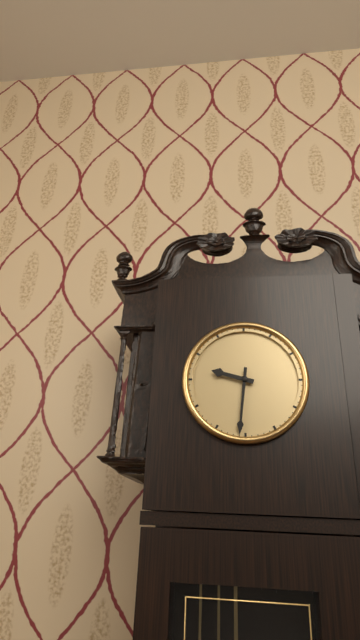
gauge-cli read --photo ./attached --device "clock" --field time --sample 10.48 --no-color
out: 9.31
